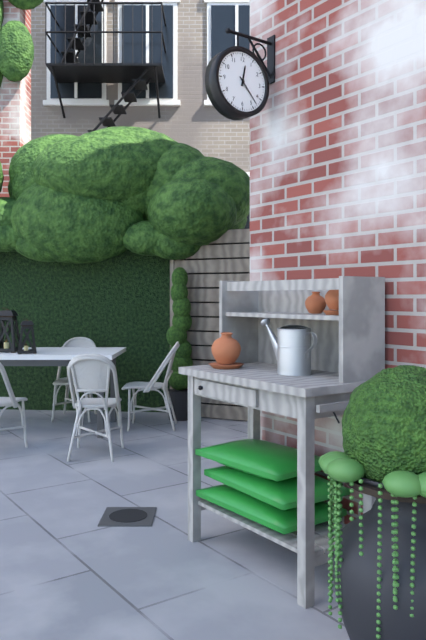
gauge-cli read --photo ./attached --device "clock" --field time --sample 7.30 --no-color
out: 12.23
